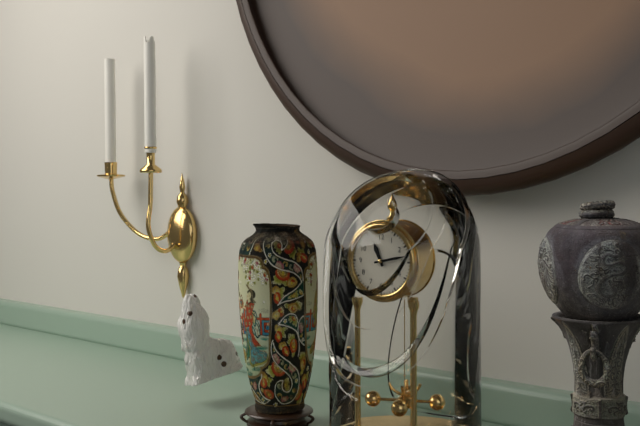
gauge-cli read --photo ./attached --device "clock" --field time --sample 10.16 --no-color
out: 11.13
